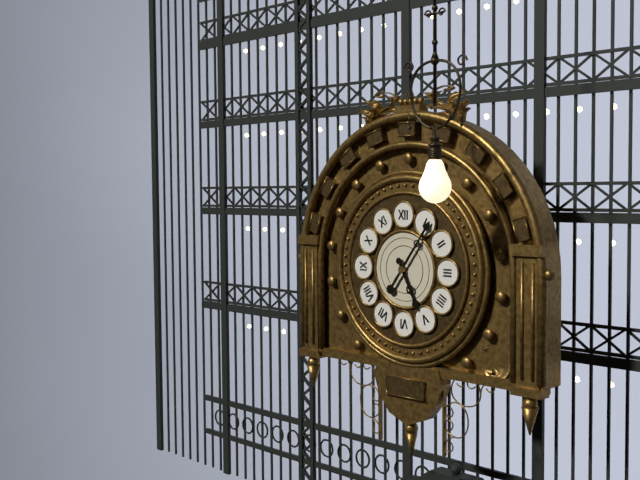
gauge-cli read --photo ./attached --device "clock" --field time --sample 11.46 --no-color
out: 5.06
